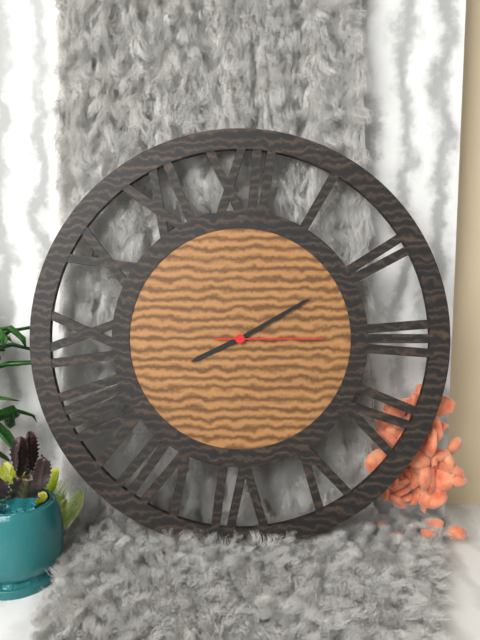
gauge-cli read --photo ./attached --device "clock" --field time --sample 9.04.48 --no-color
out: 8.10.15
